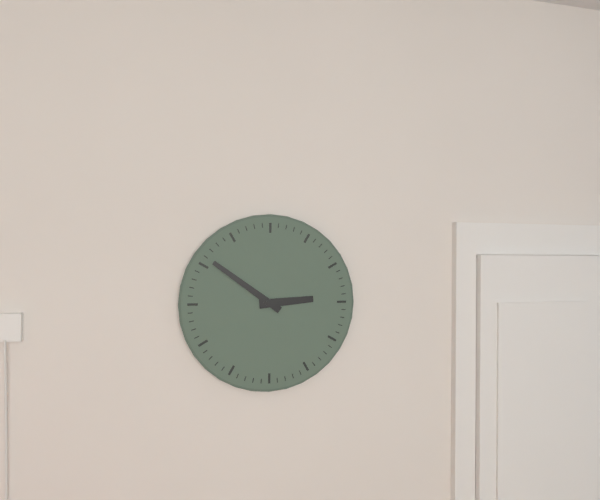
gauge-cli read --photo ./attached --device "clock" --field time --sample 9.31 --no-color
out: 2.51
